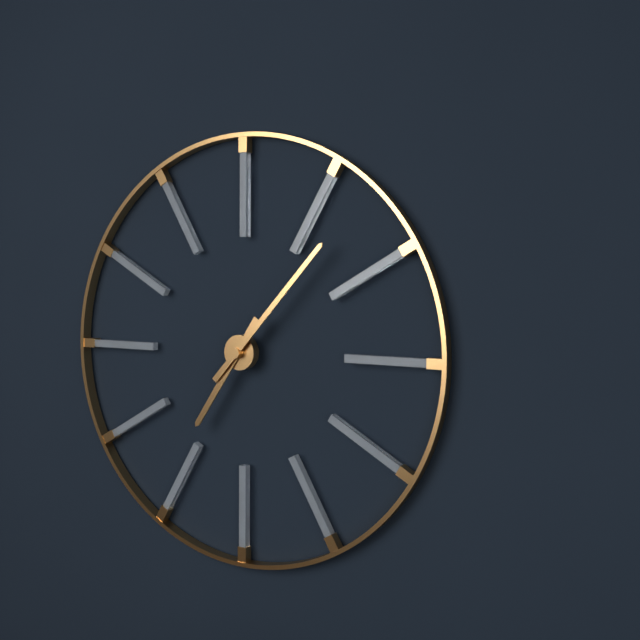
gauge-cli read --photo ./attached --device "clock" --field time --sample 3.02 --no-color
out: 7.07
